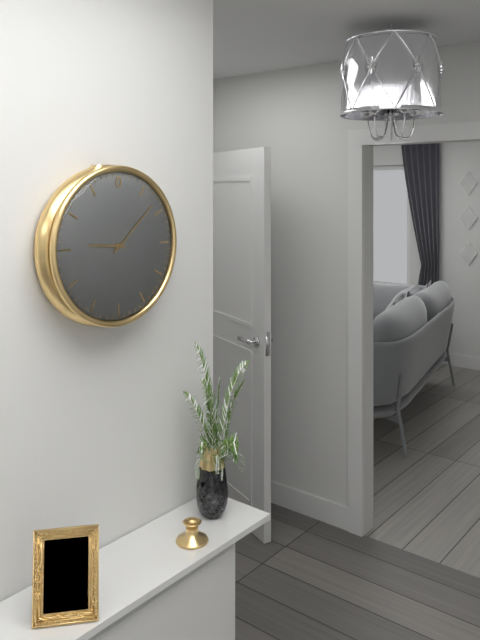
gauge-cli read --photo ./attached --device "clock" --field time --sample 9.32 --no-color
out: 9.08
